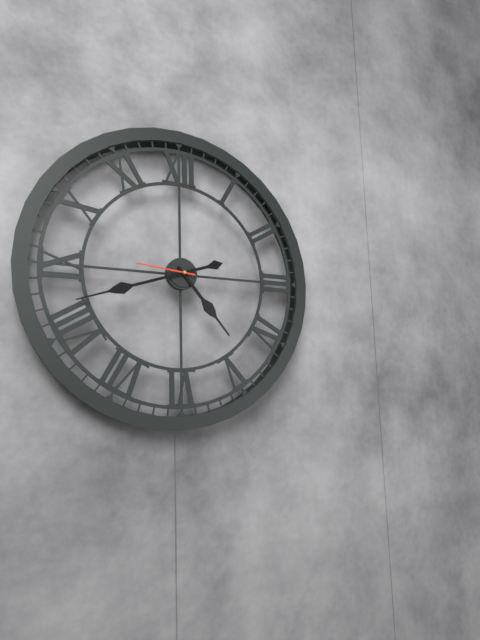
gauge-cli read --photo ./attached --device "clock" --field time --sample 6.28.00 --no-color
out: 4.42.46
